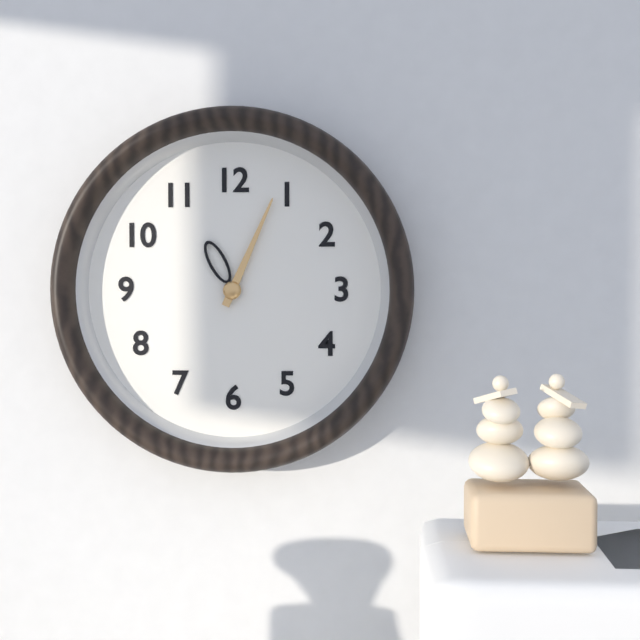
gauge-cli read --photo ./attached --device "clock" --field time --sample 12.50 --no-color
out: 11.04
